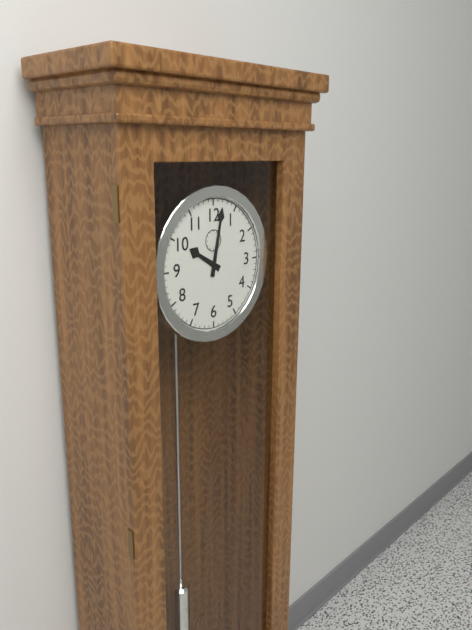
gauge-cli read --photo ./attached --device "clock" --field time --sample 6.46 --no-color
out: 10.02
